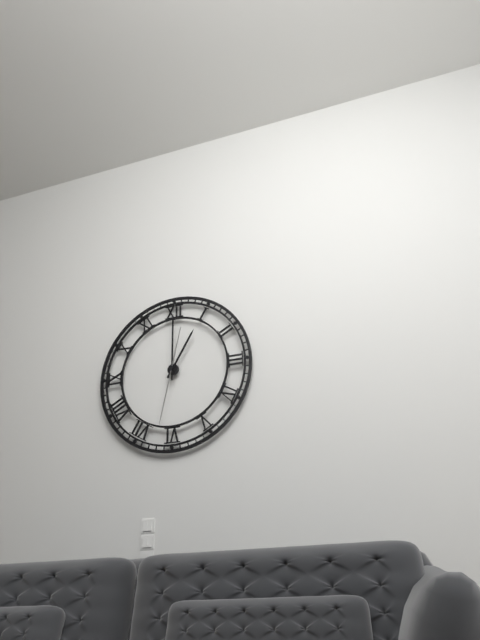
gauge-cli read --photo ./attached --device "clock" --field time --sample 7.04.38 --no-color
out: 1.00.32
